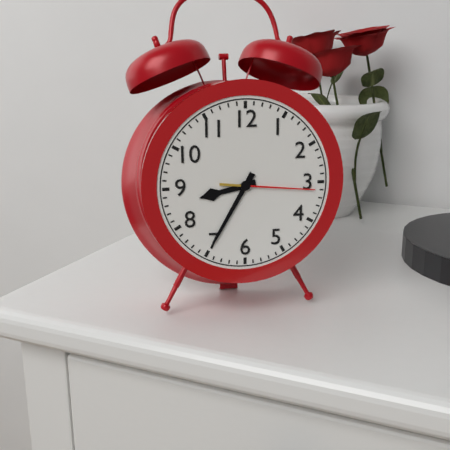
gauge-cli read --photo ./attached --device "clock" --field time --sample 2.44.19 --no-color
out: 8.35.16
